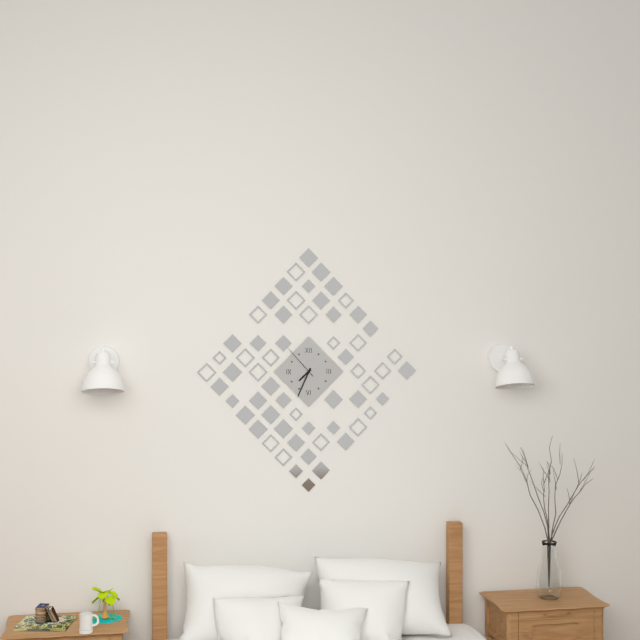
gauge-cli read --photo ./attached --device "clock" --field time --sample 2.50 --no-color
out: 7.34
